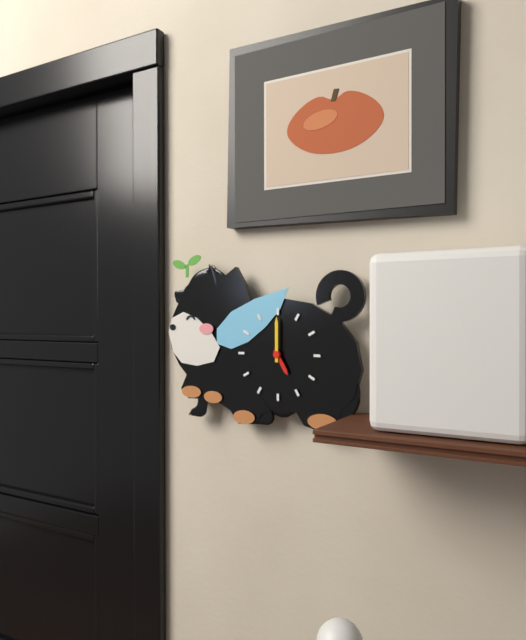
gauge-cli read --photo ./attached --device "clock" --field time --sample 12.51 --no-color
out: 5.00
